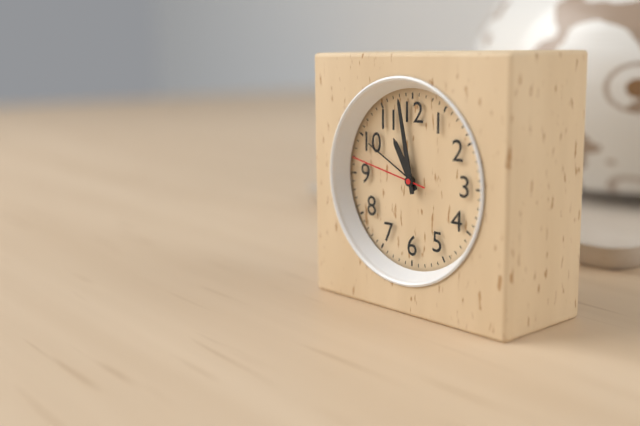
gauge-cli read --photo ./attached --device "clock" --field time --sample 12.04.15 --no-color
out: 10.58.47
